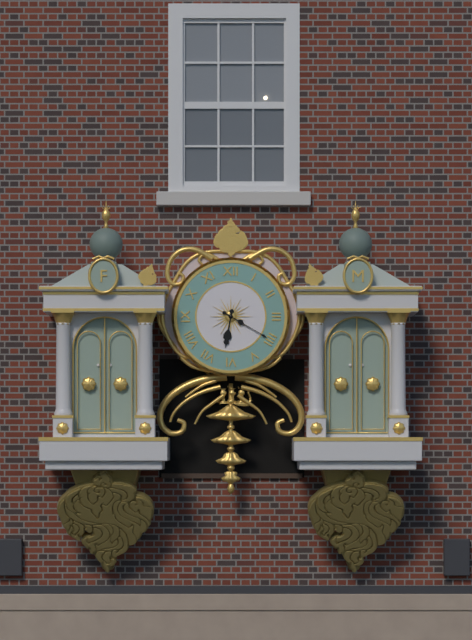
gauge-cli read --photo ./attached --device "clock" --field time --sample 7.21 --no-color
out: 6.20
